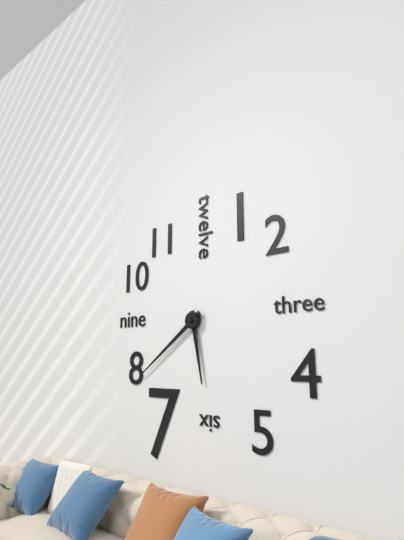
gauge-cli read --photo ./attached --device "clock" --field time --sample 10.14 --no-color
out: 5.39
